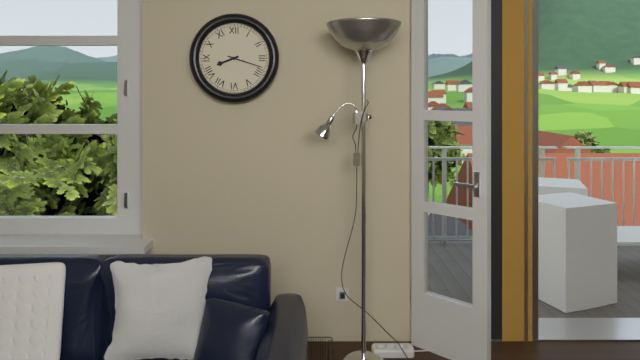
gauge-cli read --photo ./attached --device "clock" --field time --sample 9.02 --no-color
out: 8.18
